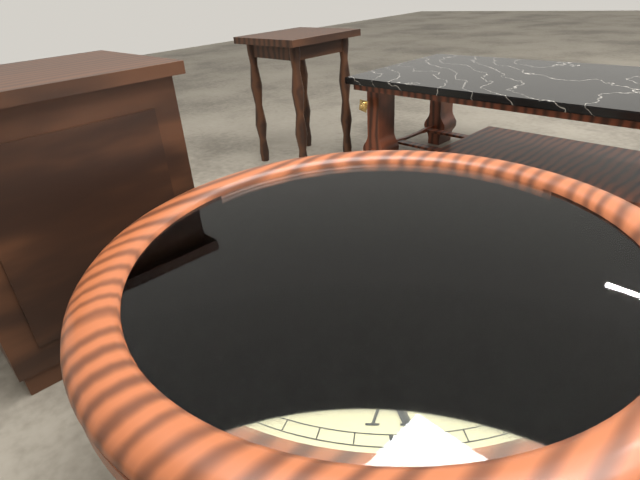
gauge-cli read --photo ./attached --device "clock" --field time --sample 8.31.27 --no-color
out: 6.18.02
